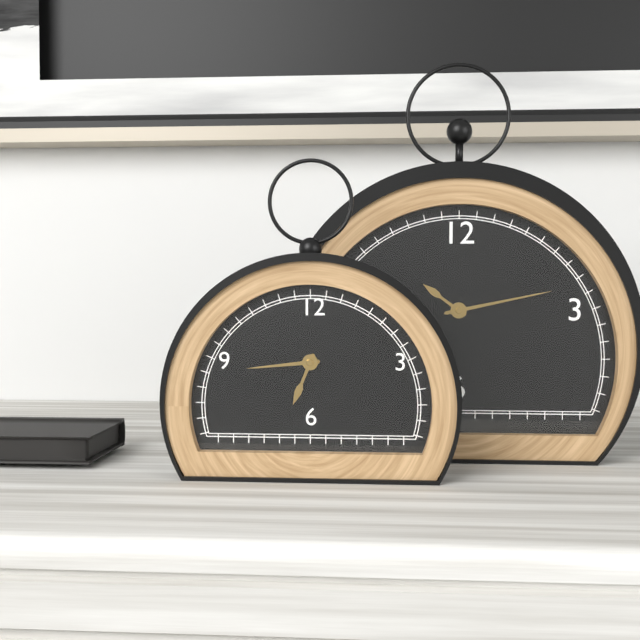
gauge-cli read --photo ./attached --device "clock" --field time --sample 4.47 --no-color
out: 6.44
